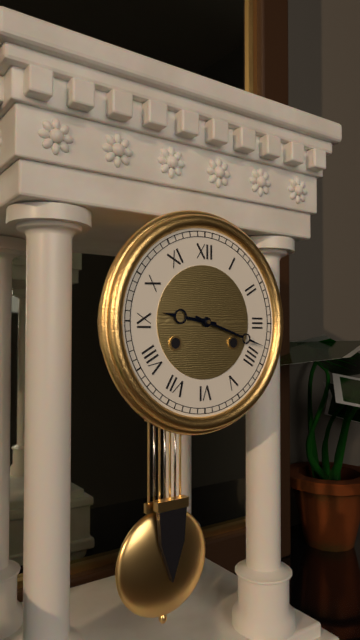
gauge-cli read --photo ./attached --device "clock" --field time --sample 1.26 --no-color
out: 9.18
